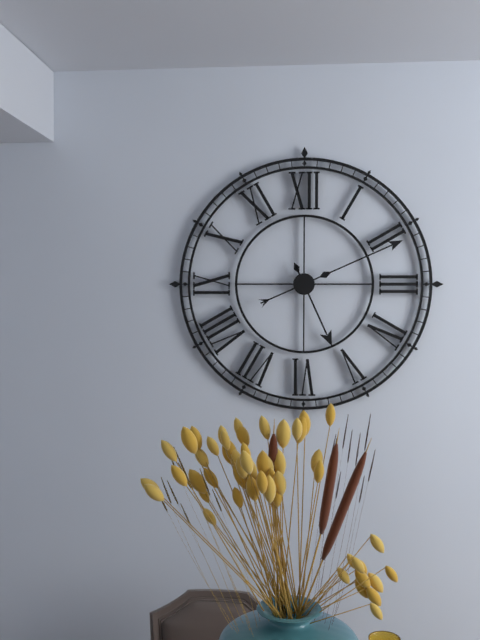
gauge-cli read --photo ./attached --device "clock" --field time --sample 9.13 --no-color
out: 5.11
